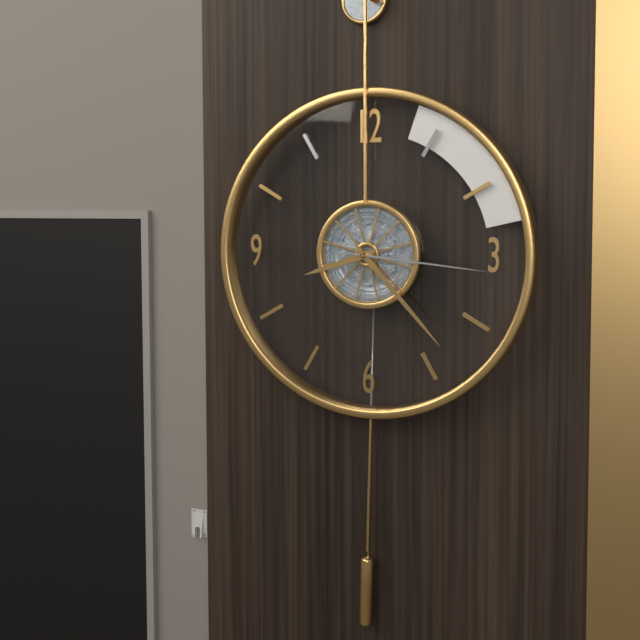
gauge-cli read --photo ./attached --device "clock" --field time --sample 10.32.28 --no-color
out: 8.23.16
